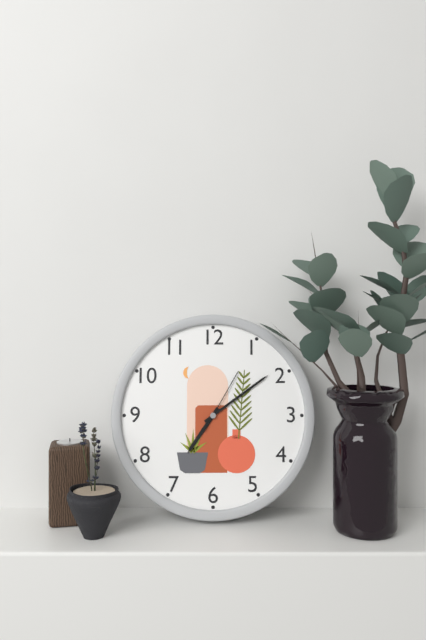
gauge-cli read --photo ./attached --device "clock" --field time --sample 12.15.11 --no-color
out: 7.09.05
